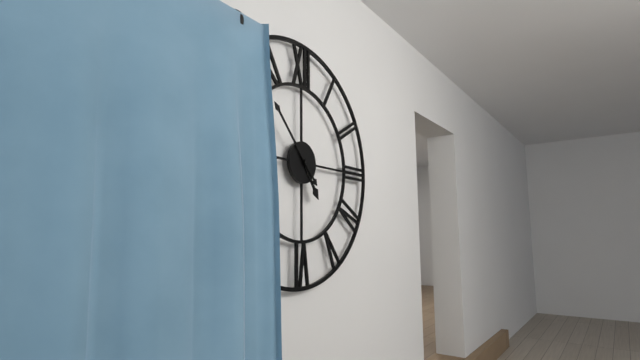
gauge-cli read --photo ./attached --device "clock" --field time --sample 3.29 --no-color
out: 4.53
